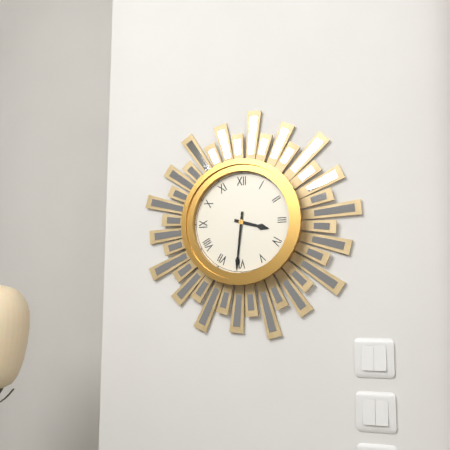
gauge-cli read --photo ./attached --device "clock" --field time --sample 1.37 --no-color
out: 3.31
